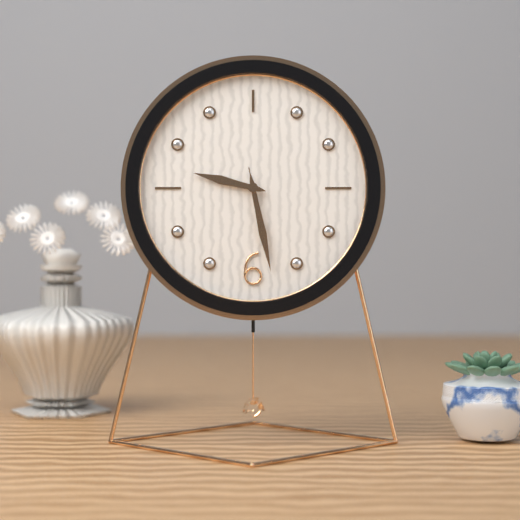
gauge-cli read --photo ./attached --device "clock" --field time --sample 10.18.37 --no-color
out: 9.28.28
